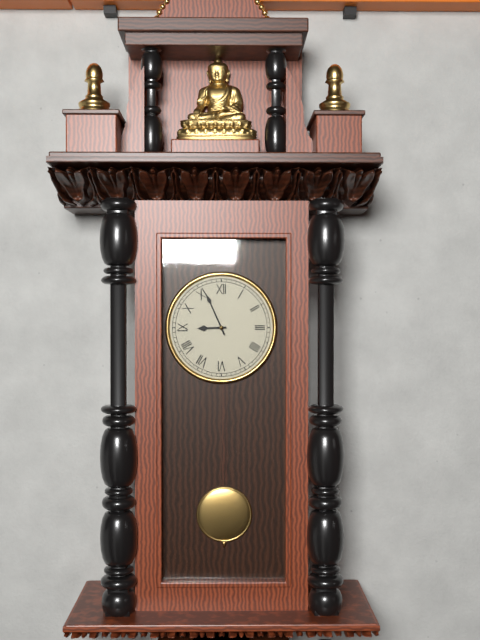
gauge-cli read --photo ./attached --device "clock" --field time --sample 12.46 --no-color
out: 8.56
